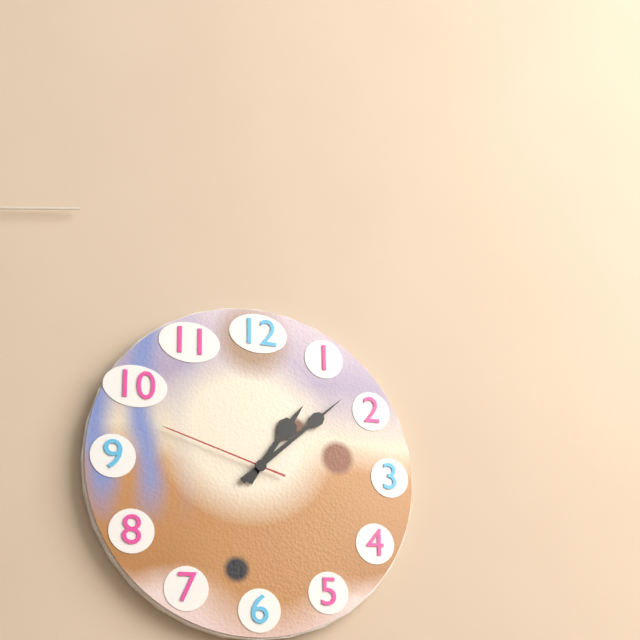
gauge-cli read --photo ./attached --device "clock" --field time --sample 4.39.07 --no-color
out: 1.08.48
